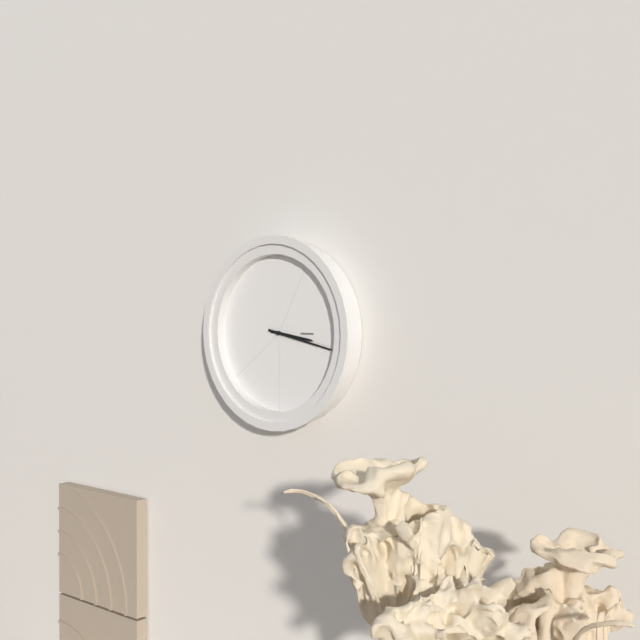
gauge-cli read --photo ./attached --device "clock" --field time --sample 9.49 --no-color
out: 3.17
